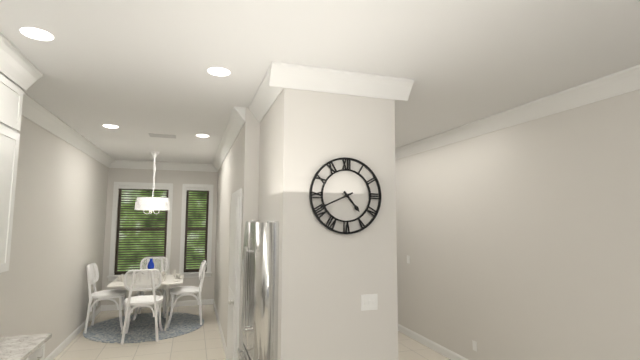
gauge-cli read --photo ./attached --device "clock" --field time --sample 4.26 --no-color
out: 4.41
